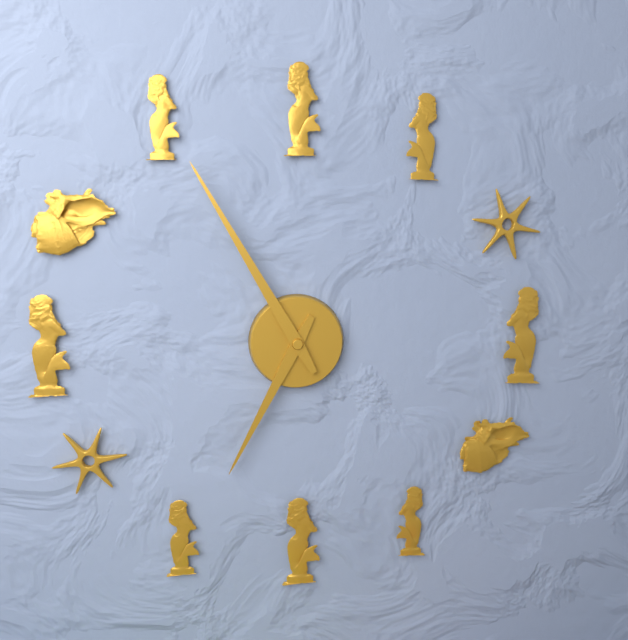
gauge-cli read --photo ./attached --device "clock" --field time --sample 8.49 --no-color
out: 6.55
